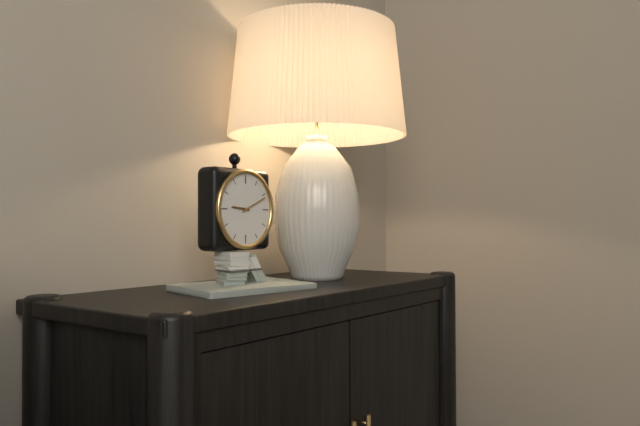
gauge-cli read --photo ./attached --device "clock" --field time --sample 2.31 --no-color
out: 9.11
